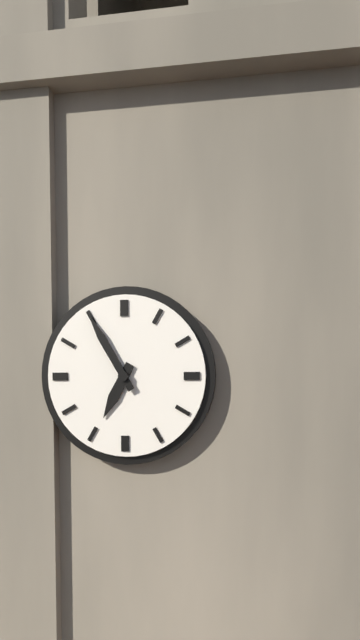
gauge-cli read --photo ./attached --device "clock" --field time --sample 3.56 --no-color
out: 6.55
